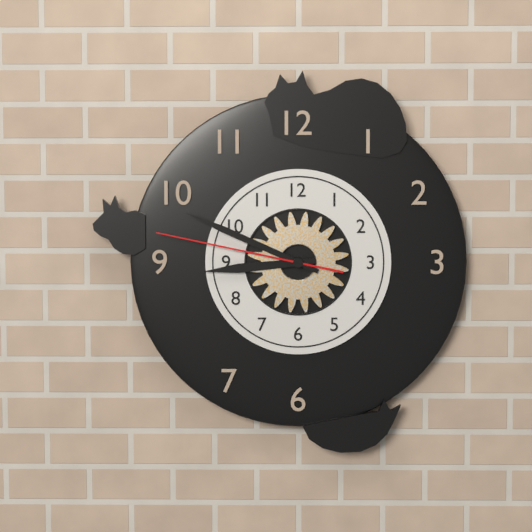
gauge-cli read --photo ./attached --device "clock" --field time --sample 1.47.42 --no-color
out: 8.49.47
